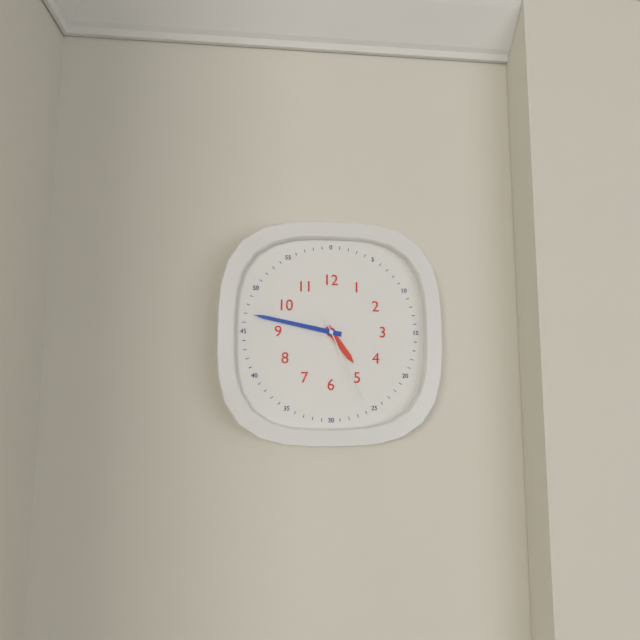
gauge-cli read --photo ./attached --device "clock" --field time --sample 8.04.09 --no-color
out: 4.47.26
